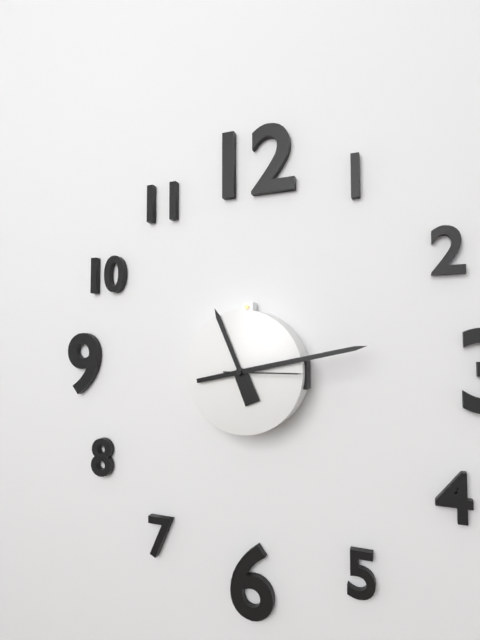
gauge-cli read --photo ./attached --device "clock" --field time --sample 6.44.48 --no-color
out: 11.13.15
